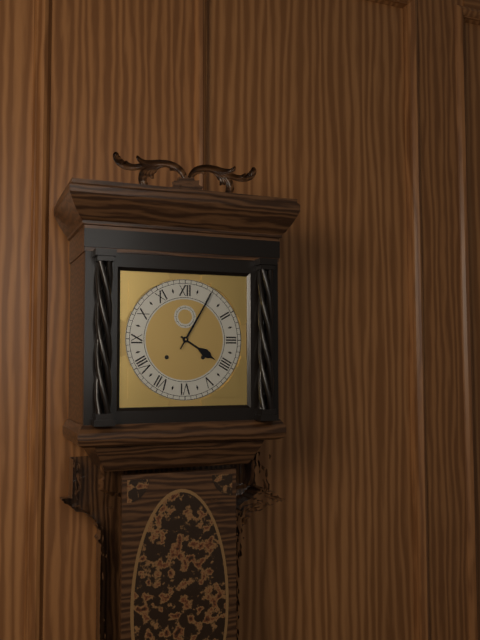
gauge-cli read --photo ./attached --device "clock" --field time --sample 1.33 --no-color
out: 4.05
